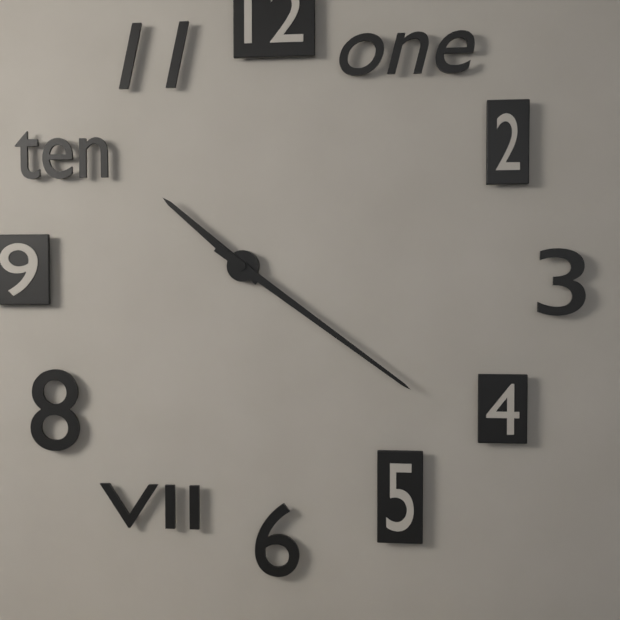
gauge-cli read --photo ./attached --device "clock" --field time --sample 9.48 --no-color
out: 10.21
